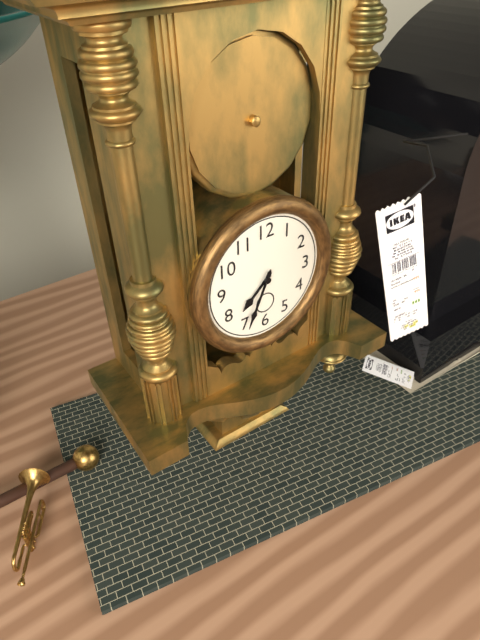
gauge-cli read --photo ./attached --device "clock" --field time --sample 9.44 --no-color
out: 7.34
